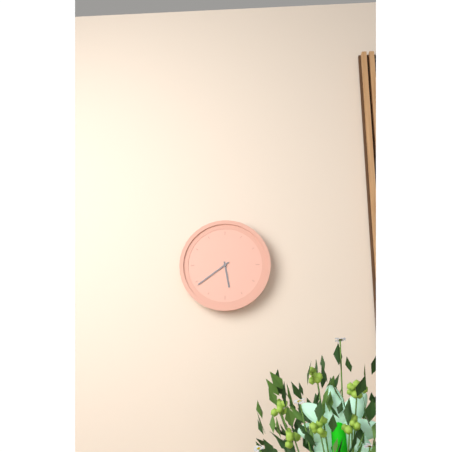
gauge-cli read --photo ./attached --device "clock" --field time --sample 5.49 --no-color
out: 5.39
